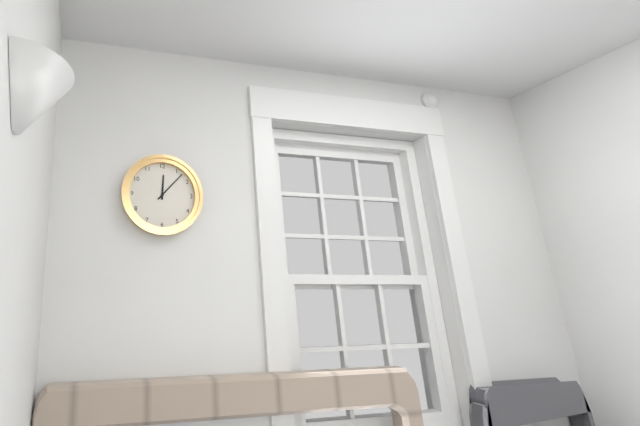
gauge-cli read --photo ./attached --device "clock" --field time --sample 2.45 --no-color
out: 12.07
